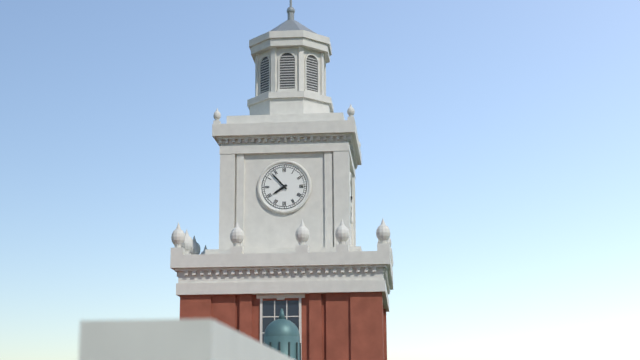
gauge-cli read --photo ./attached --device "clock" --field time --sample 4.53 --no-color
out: 7.53
